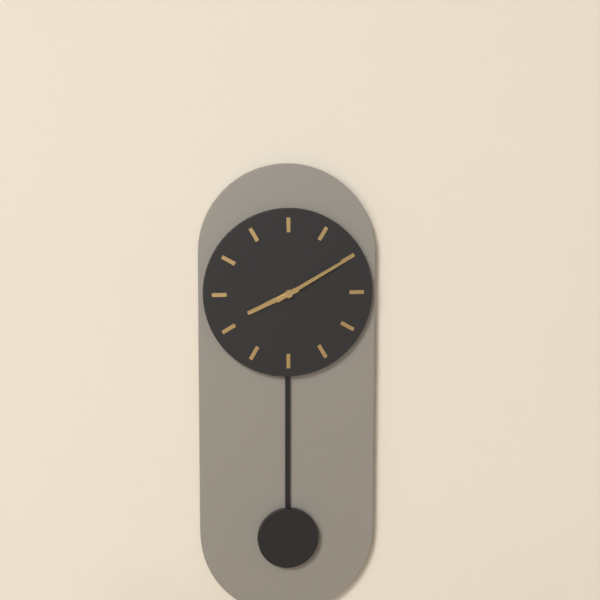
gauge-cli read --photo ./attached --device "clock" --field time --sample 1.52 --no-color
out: 8.10
